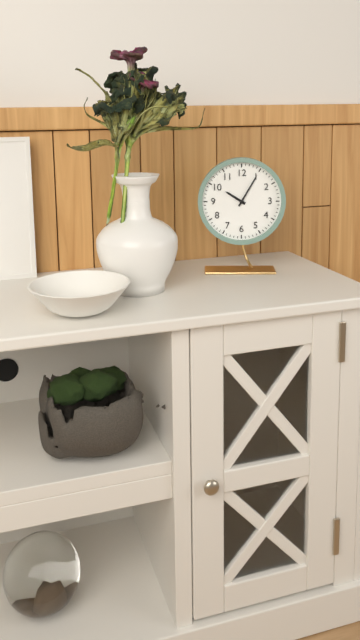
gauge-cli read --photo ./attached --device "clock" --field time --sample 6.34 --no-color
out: 10.05
